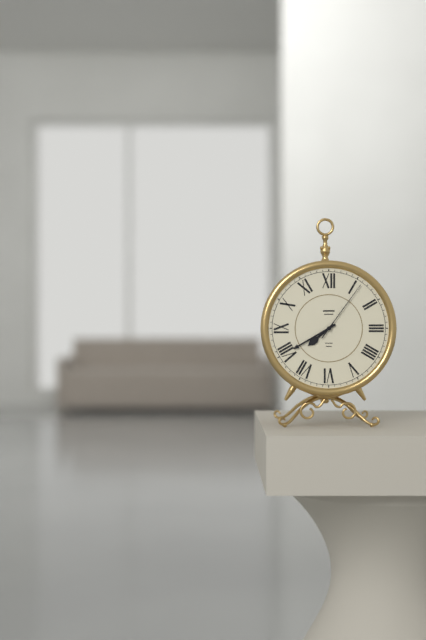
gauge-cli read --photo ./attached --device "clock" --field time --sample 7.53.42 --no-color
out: 7.40.06
